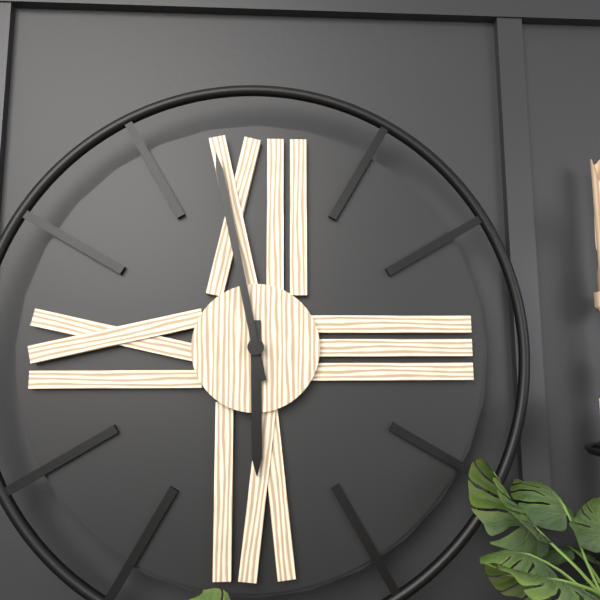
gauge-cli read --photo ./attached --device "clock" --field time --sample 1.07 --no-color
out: 5.58
